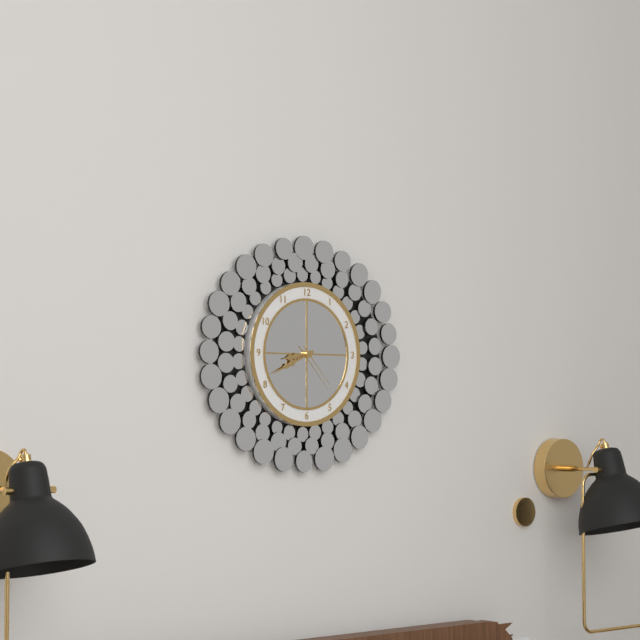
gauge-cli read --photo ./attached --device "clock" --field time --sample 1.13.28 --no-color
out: 8.41.23
